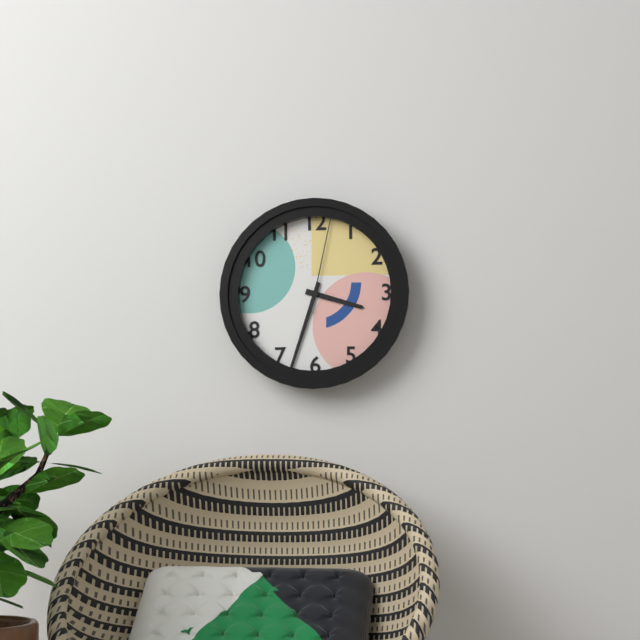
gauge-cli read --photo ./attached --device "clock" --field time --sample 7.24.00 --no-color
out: 3.33.02
